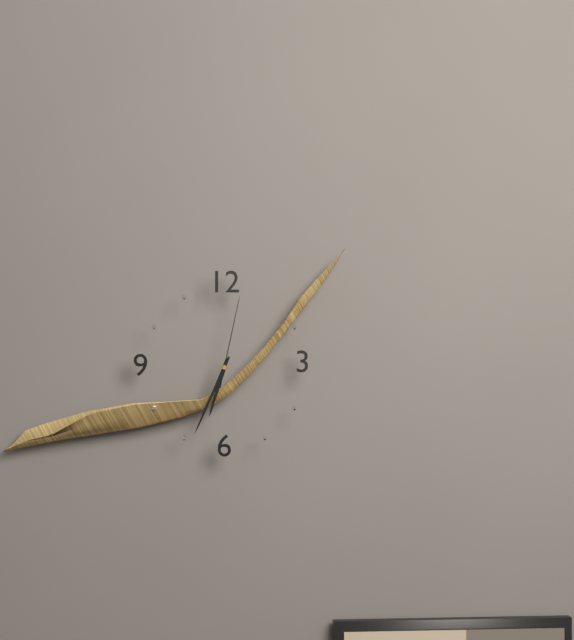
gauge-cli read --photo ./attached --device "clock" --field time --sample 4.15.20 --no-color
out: 6.34.02
